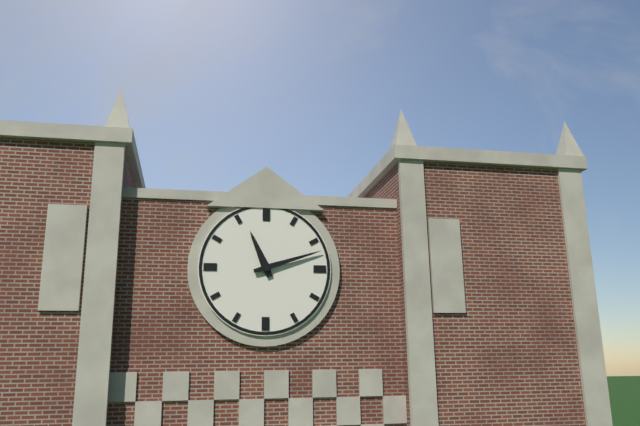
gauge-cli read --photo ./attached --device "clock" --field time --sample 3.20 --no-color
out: 11.12
